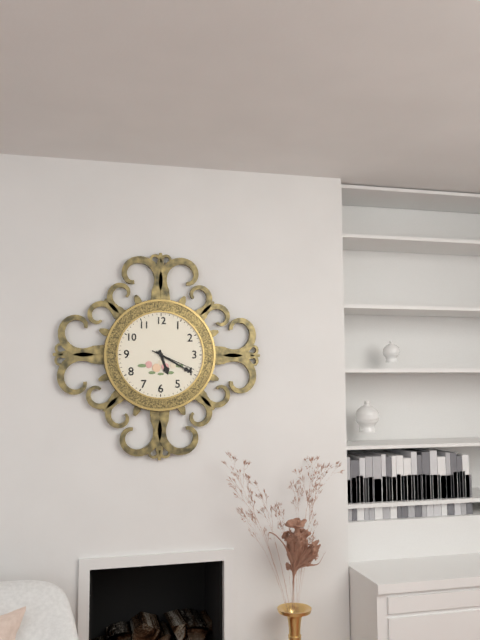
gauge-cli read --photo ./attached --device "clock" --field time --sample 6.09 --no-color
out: 5.20
